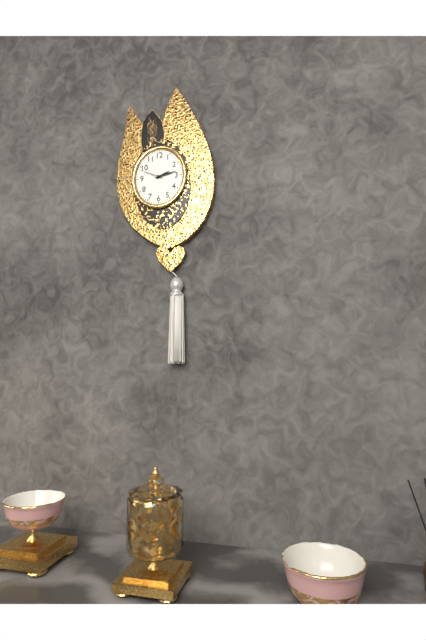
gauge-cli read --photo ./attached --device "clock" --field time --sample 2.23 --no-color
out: 2.13
